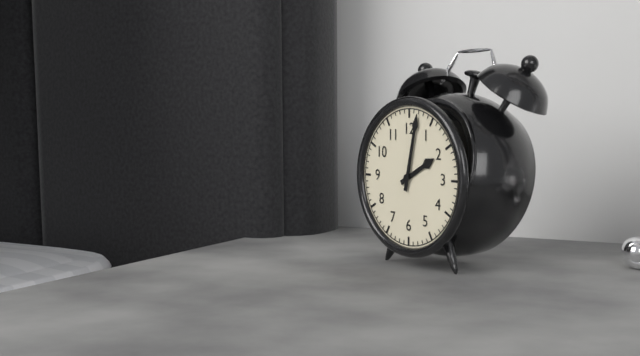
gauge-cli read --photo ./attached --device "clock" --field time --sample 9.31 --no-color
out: 2.02
